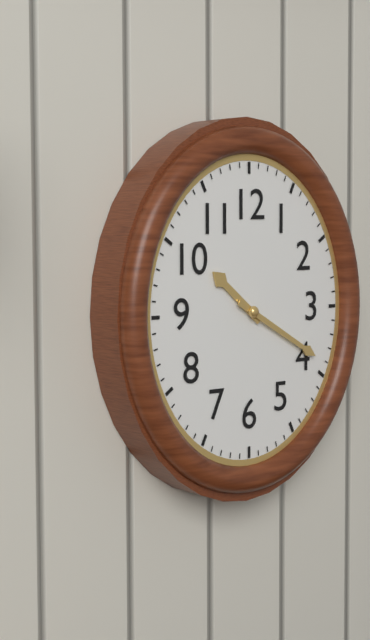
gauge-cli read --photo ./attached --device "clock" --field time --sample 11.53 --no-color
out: 10.20
